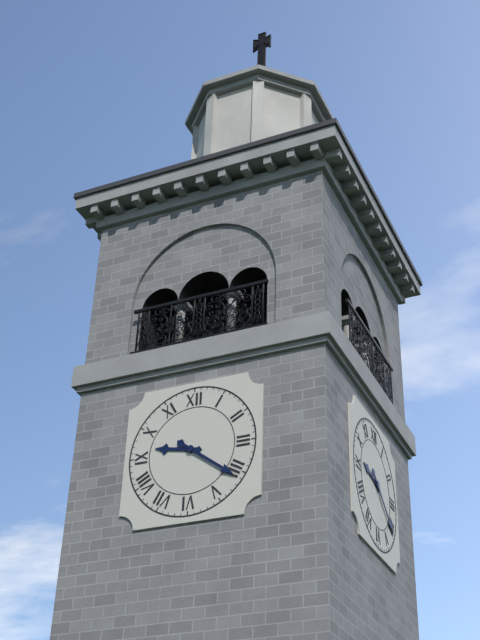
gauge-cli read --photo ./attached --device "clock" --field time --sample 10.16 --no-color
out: 9.21
